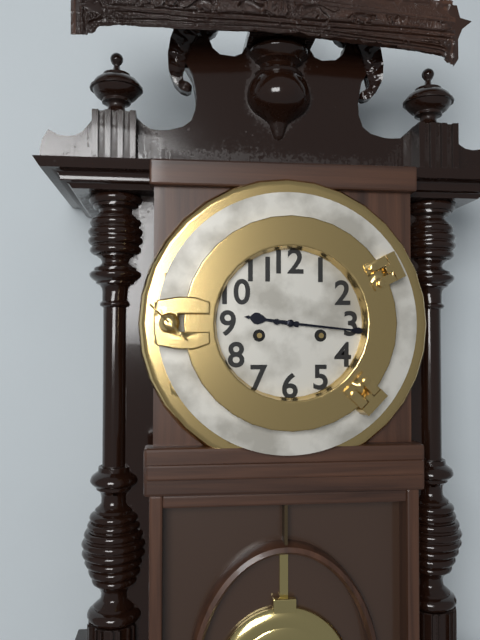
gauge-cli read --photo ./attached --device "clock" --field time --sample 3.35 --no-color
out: 9.16
